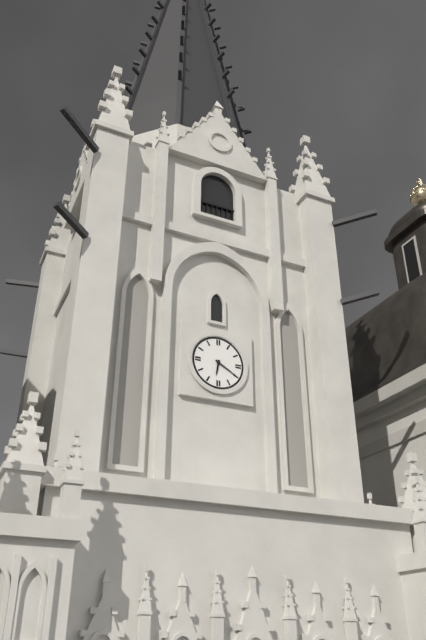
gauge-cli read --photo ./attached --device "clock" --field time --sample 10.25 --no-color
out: 6.20
